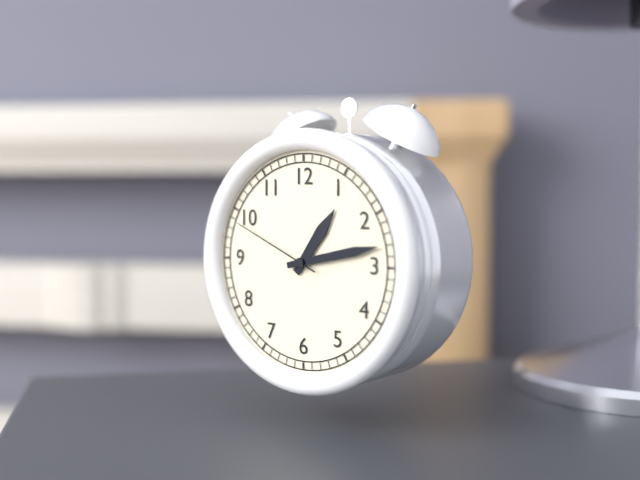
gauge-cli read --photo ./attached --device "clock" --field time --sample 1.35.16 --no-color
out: 1.13.49
